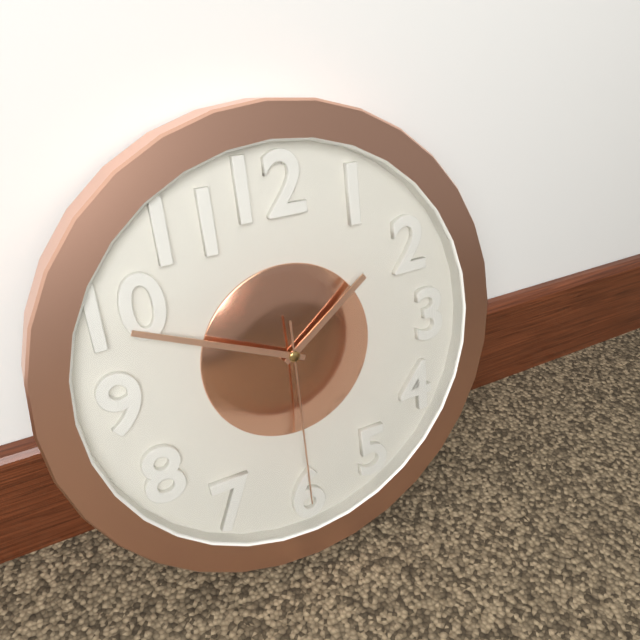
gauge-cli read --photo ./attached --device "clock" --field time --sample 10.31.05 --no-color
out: 1.49.30
